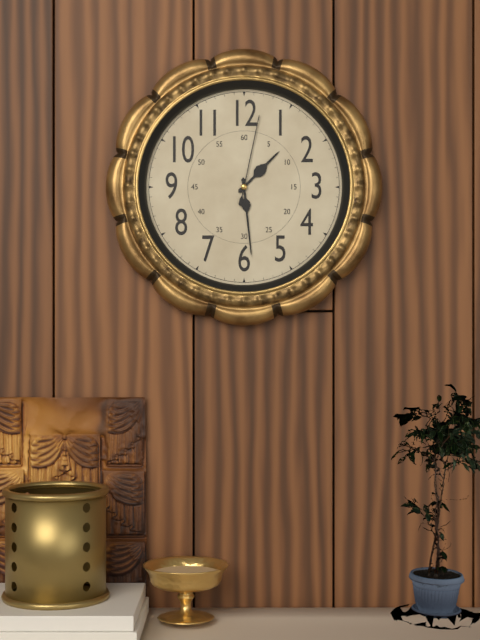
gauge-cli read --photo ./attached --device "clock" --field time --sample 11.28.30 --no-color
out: 1.29.02
